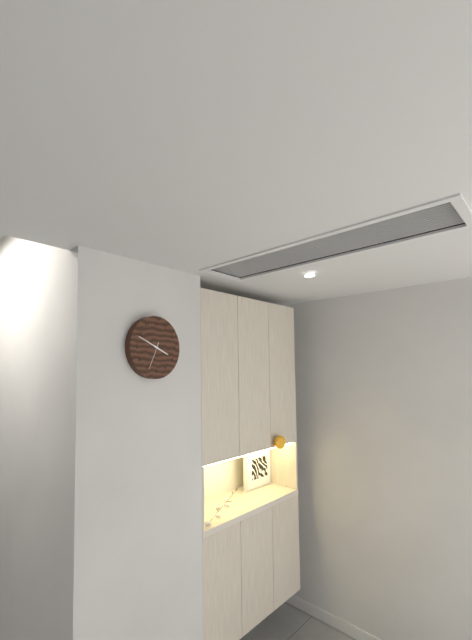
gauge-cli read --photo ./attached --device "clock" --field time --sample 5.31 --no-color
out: 3.49
